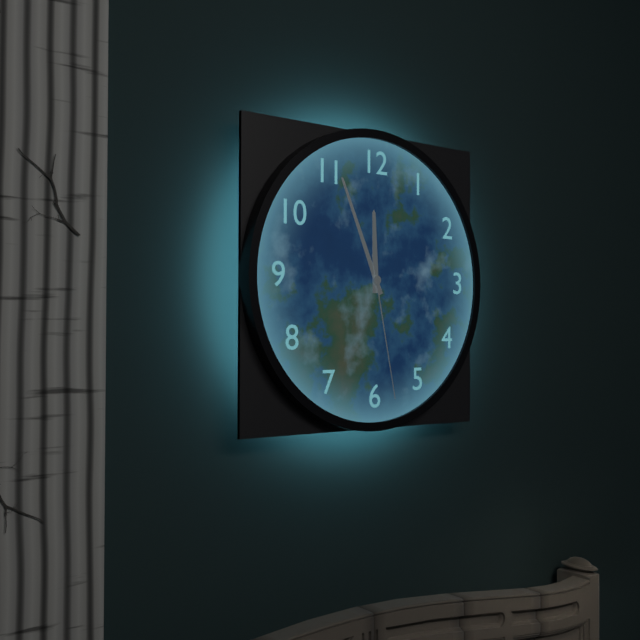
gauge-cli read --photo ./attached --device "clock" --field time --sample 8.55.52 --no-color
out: 11.56.28
